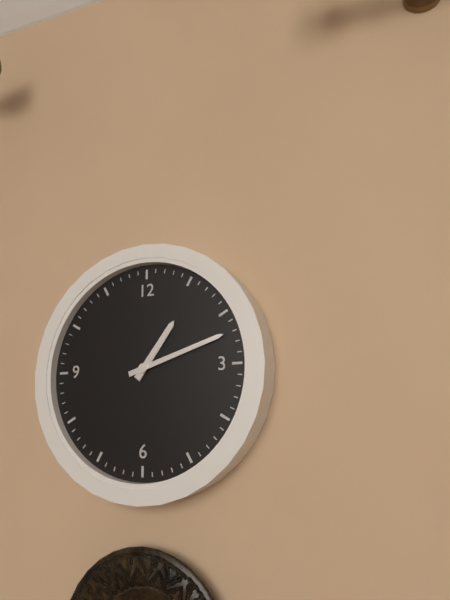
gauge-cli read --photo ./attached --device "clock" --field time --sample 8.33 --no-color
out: 1.12
